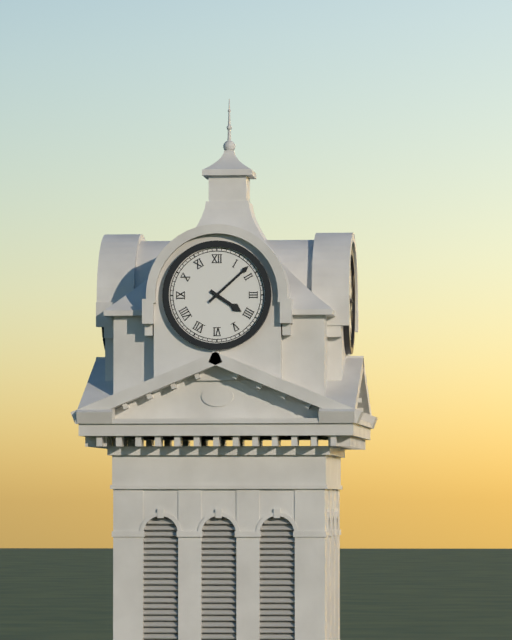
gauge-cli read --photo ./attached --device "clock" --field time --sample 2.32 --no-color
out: 4.08
